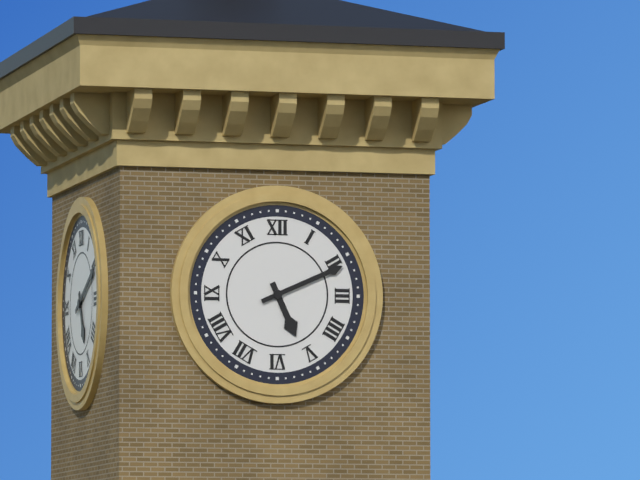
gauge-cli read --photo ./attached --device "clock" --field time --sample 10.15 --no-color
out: 5.11
